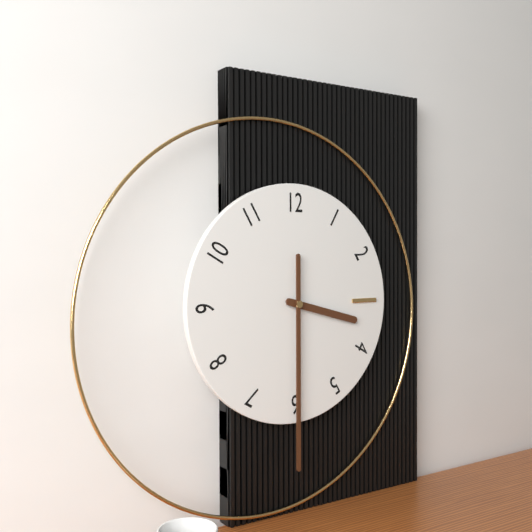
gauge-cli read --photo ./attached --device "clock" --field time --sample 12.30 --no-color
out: 3.30
